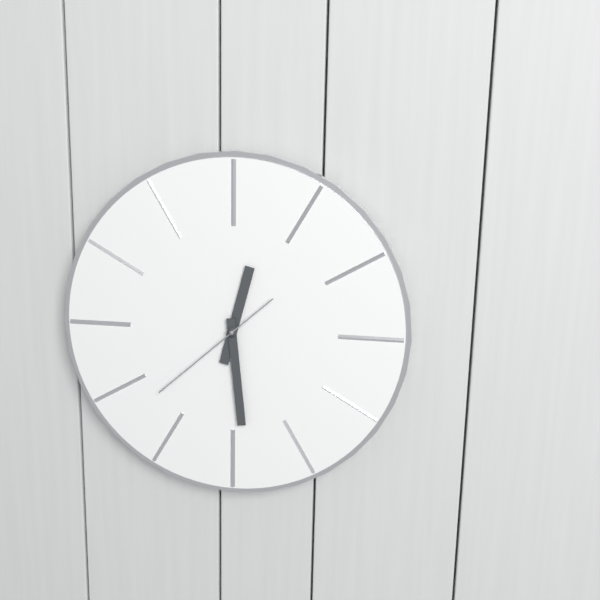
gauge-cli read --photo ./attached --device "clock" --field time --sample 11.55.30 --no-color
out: 12.29.38
